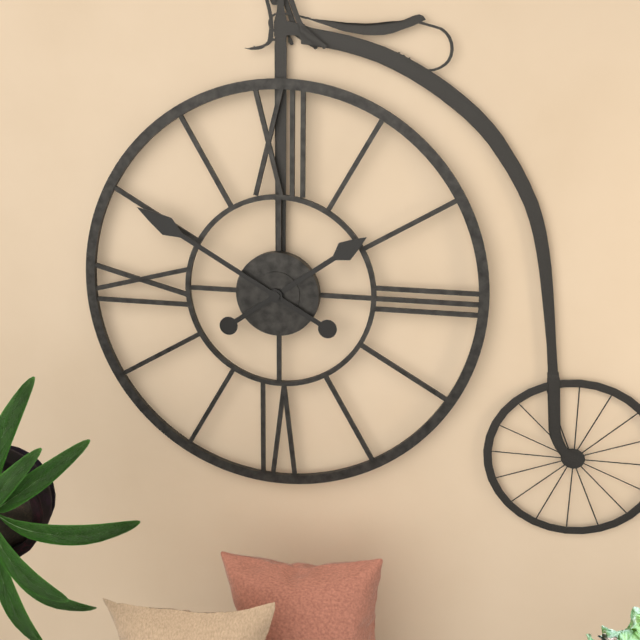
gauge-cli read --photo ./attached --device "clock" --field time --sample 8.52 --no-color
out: 1.50
